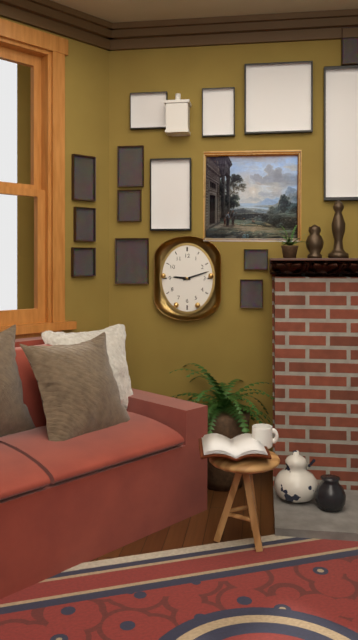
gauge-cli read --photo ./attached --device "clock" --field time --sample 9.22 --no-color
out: 9.12
